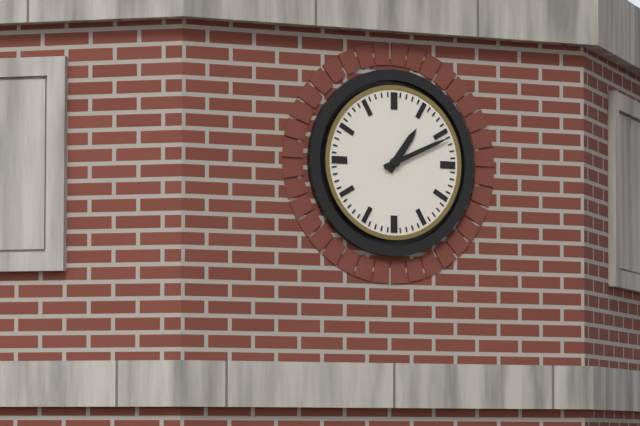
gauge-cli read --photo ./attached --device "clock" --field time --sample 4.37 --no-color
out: 1.11
